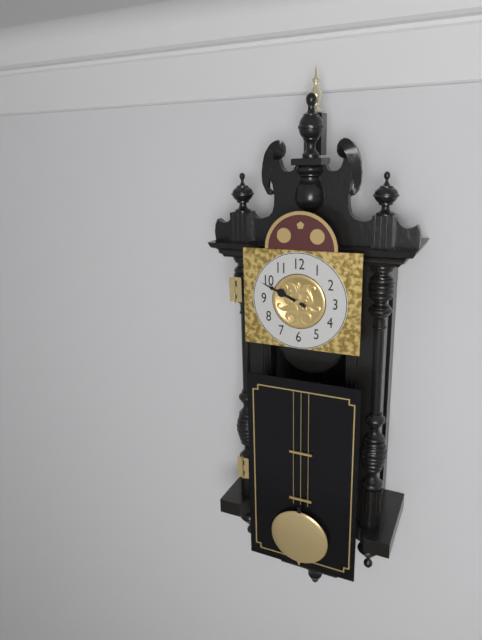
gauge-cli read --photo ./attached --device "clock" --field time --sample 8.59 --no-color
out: 9.49
